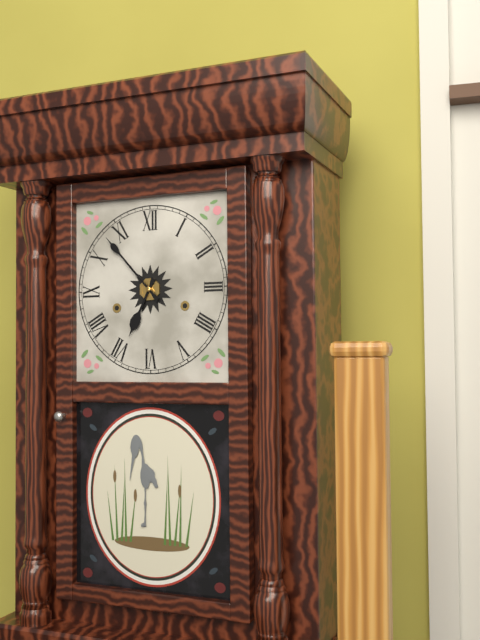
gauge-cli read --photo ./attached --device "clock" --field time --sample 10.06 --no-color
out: 6.53
